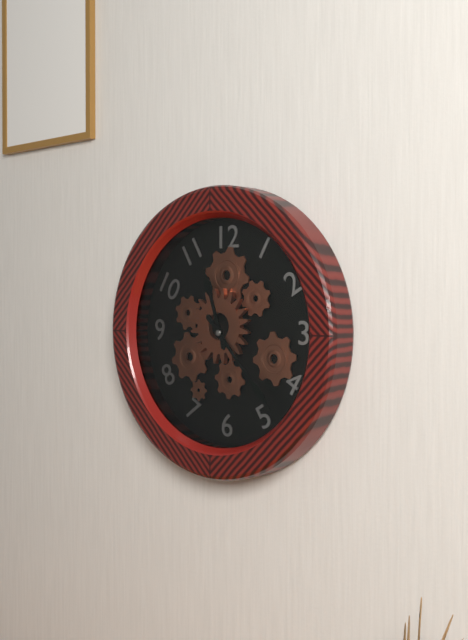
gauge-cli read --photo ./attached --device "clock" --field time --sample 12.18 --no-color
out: 11.23
